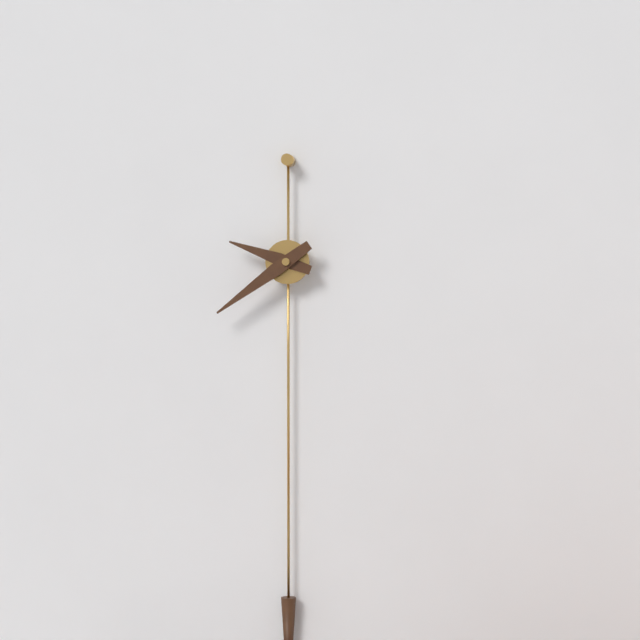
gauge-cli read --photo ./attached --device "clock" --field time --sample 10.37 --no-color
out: 9.39
